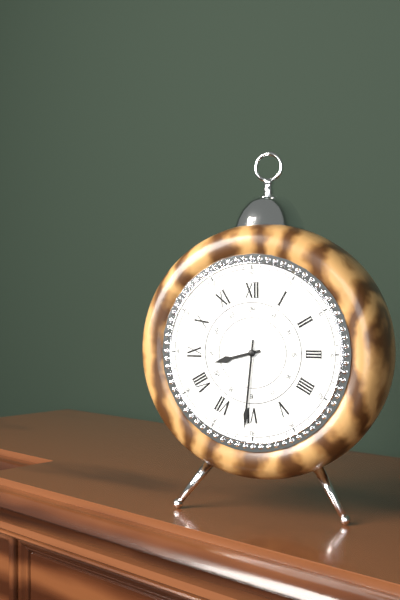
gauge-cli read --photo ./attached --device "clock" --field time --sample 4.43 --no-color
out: 8.31
